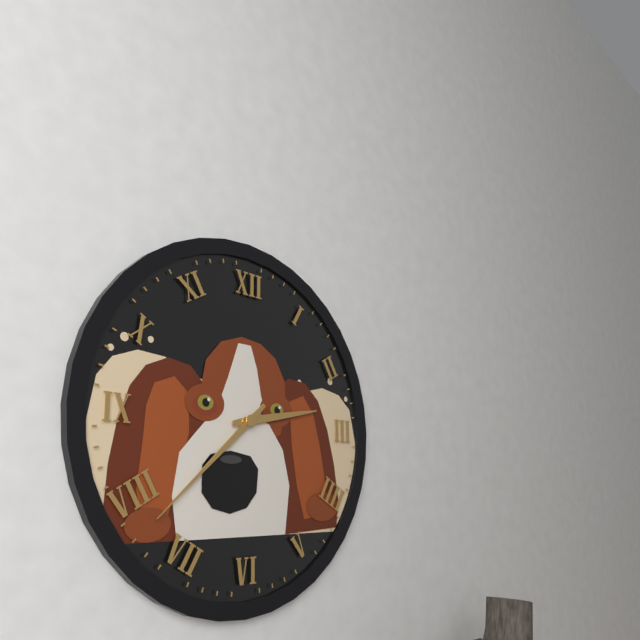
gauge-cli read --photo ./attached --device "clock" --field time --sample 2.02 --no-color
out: 2.38
